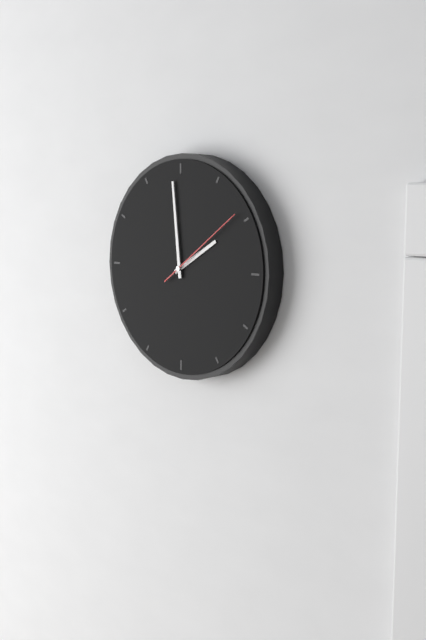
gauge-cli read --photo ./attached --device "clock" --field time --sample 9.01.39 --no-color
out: 1.59.09
